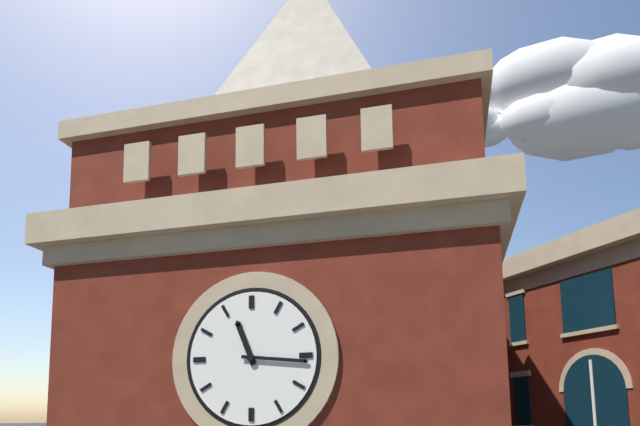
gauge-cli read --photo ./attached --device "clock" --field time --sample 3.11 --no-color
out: 11.16
